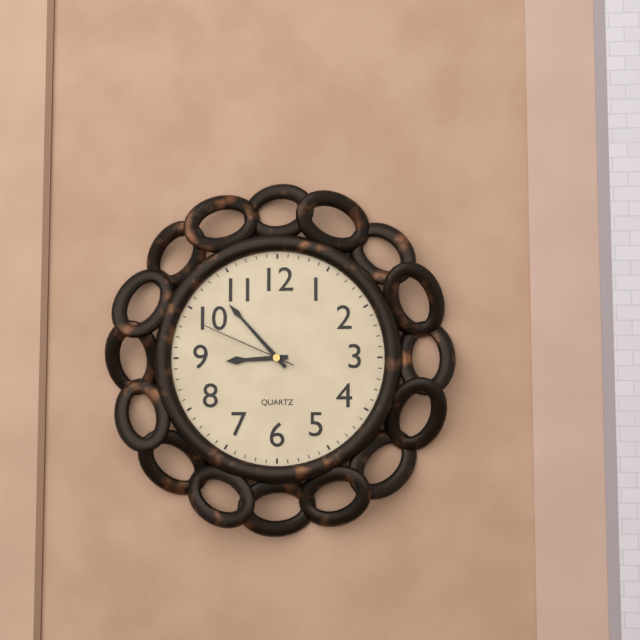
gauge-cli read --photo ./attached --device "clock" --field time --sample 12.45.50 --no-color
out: 8.53.49
